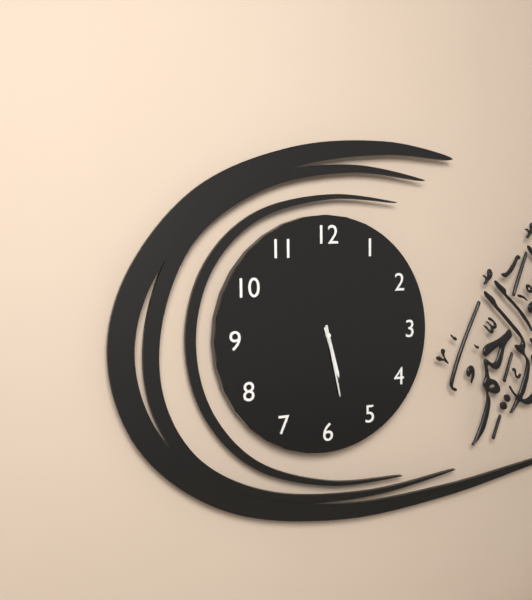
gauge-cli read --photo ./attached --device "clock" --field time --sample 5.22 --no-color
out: 5.28
